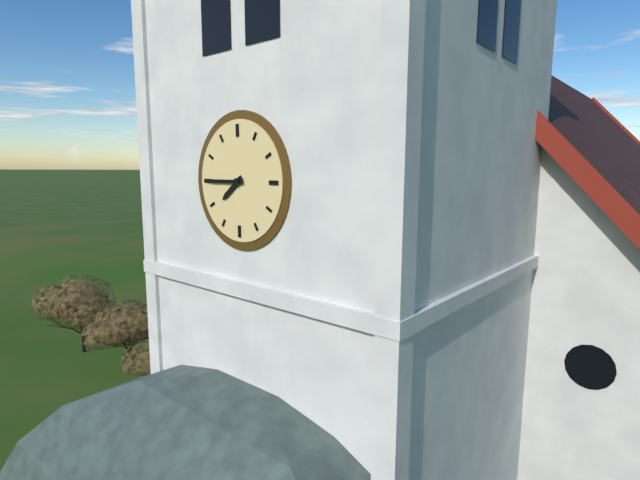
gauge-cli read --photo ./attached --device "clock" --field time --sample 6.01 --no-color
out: 7.45
